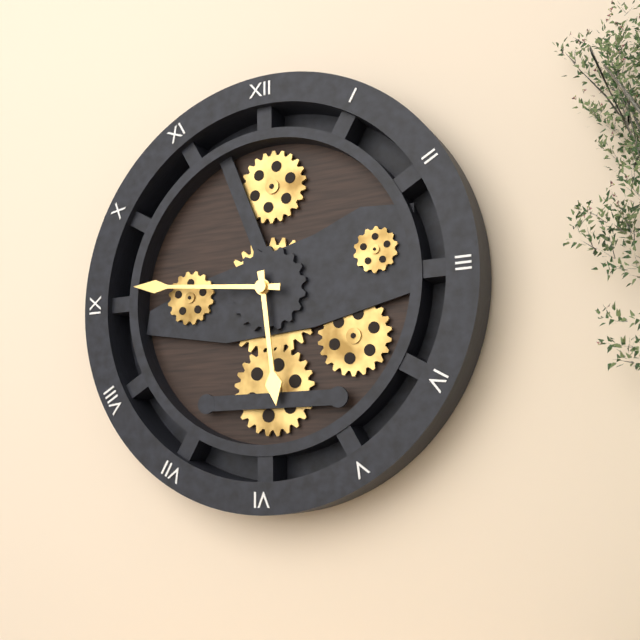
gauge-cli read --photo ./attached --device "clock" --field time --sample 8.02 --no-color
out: 5.46
